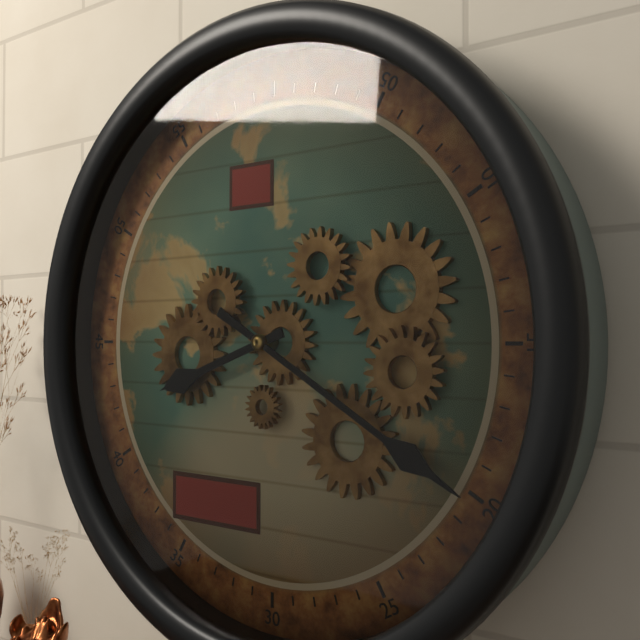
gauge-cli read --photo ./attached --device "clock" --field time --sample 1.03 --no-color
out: 8.20
